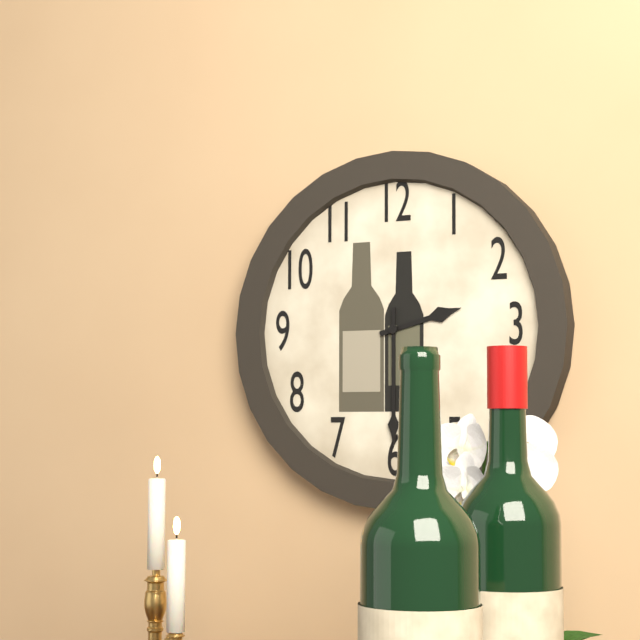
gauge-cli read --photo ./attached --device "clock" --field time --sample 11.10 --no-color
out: 2.30
